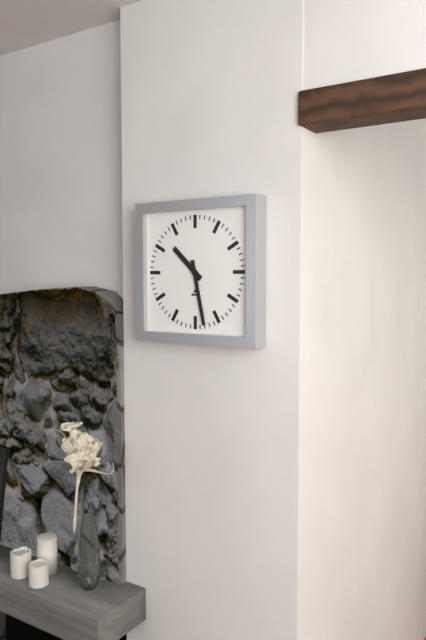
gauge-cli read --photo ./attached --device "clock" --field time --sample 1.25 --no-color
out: 10.28
